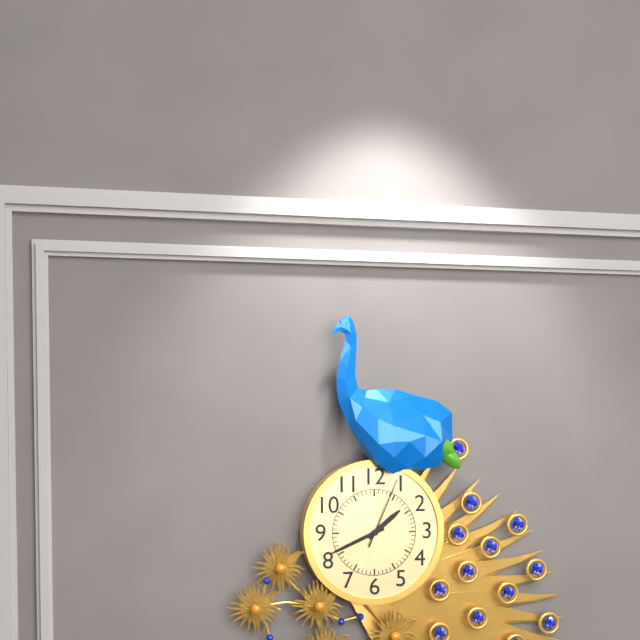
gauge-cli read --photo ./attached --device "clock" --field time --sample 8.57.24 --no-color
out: 1.41.04
